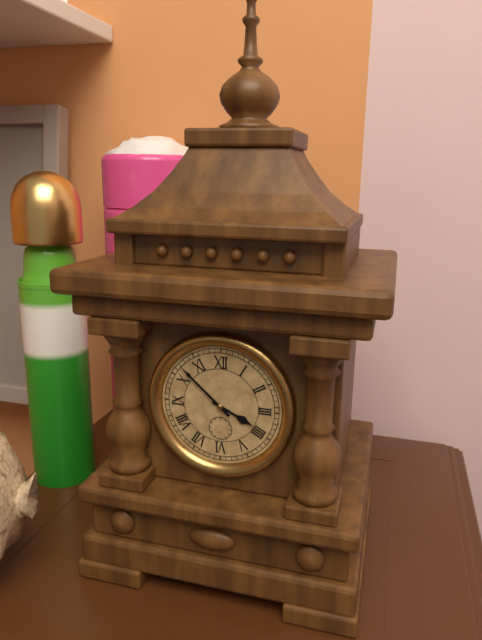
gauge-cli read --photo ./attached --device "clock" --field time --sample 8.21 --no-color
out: 3.52
